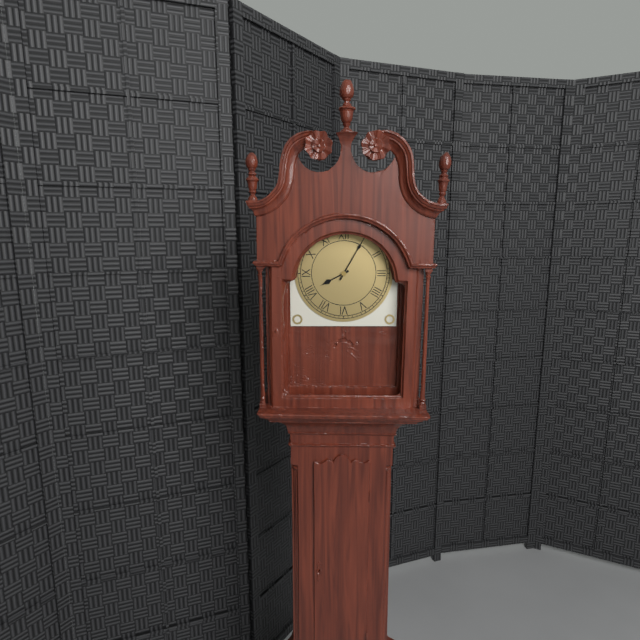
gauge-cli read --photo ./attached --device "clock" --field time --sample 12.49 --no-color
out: 8.05
